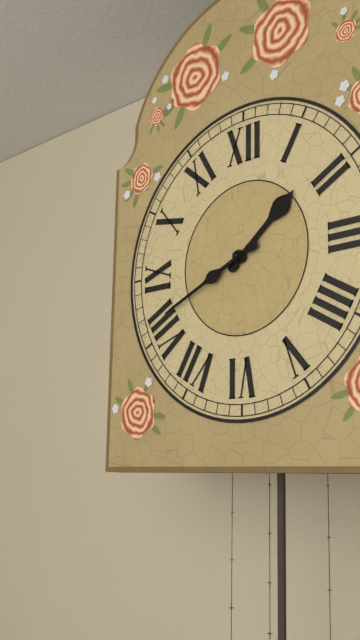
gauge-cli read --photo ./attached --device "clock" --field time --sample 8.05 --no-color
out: 1.41
